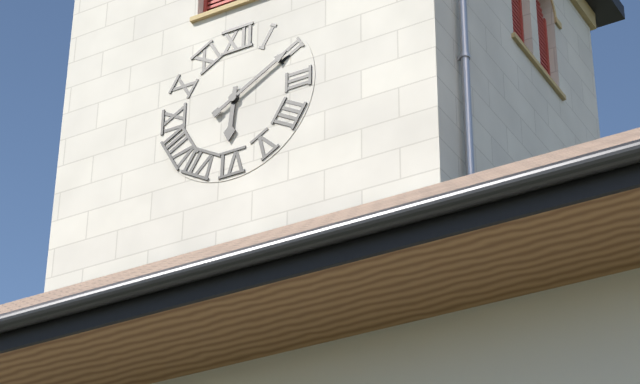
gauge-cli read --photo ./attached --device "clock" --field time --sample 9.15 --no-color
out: 6.10
